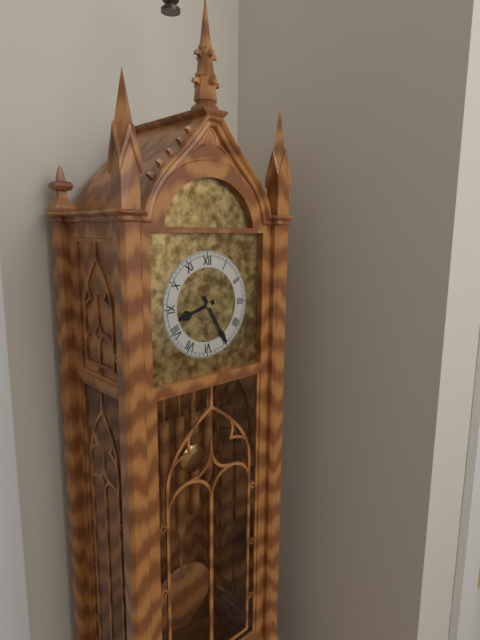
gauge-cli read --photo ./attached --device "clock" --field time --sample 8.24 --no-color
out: 8.25
